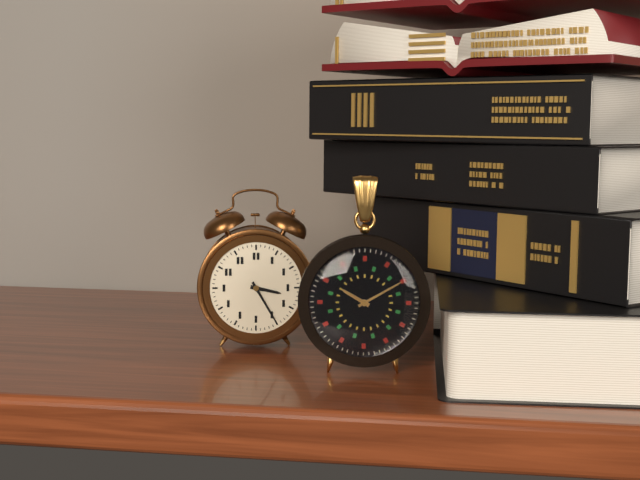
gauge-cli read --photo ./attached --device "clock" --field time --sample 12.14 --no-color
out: 3.25
